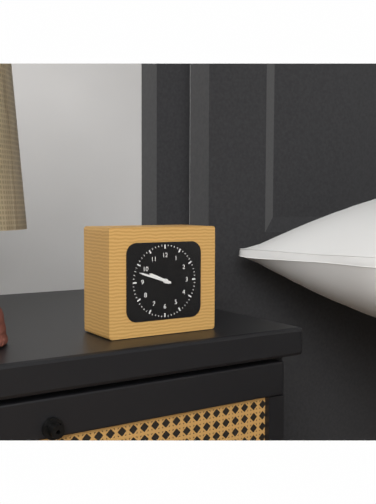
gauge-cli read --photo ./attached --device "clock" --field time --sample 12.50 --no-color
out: 9.48
